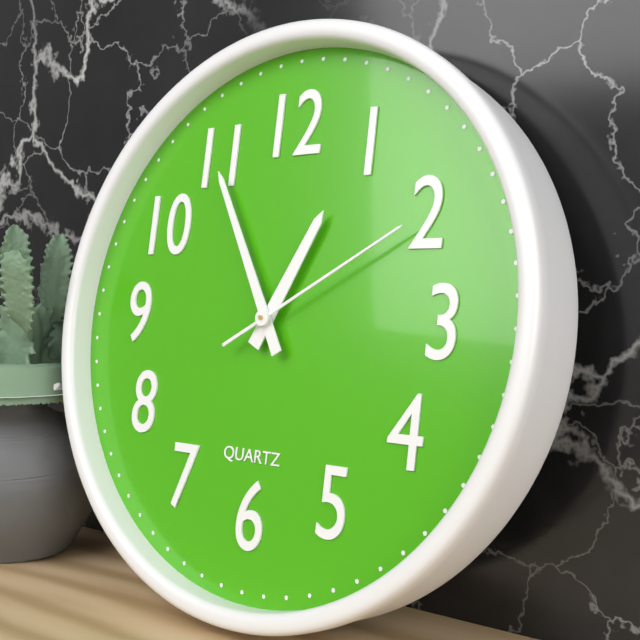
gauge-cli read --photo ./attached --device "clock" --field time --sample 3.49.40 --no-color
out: 12.55.10
